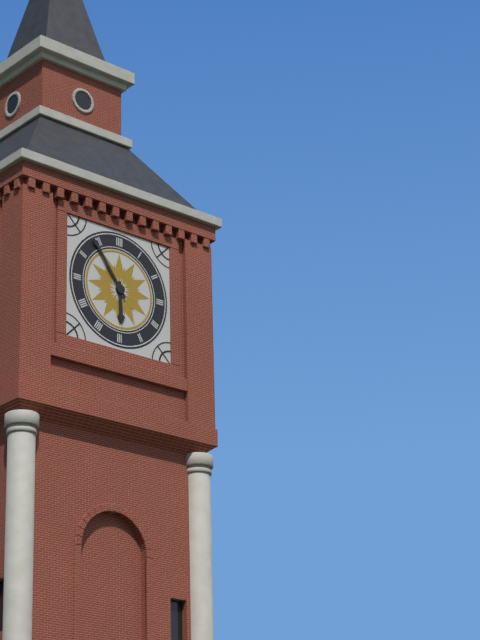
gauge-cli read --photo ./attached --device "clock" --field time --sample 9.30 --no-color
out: 5.54
